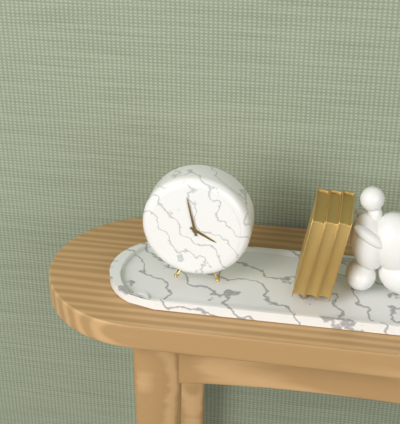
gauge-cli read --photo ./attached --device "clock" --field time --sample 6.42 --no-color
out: 3.58
